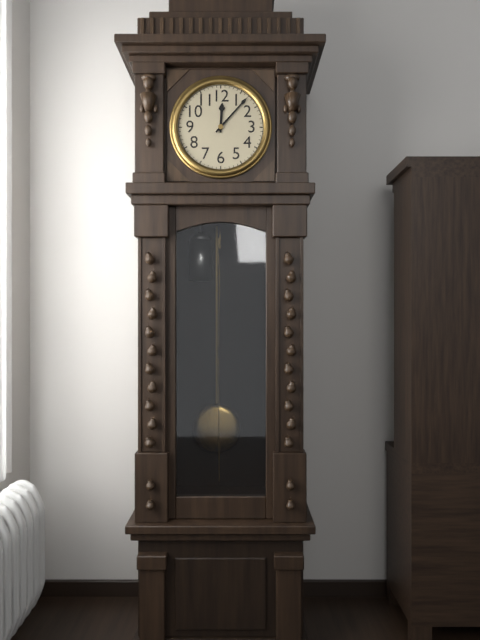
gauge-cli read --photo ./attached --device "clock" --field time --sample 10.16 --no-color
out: 12.07
